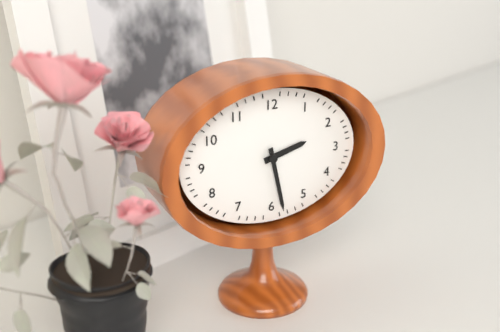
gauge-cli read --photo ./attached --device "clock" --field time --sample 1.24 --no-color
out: 2.28
